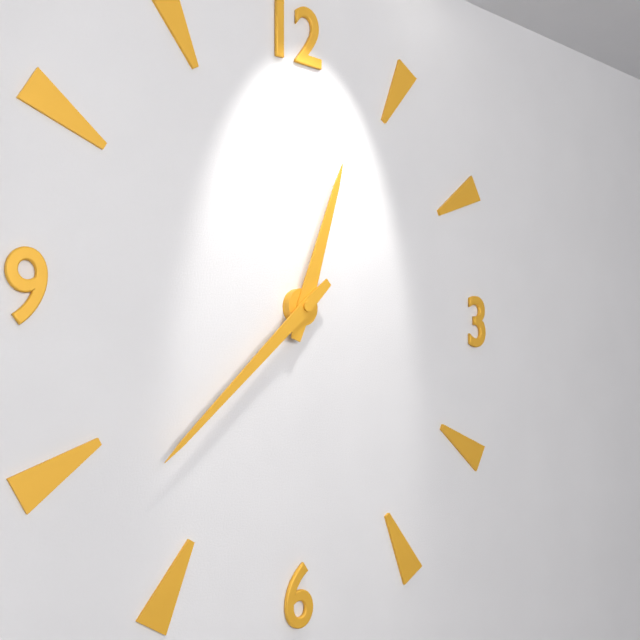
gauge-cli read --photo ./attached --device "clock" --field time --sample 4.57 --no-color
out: 12.38
